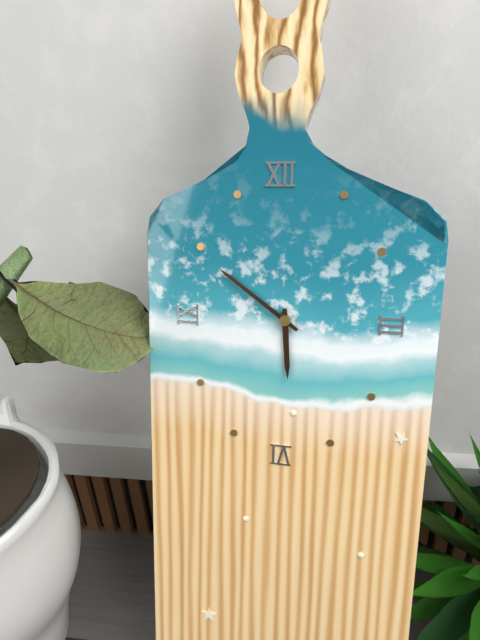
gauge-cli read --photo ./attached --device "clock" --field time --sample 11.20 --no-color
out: 5.51
